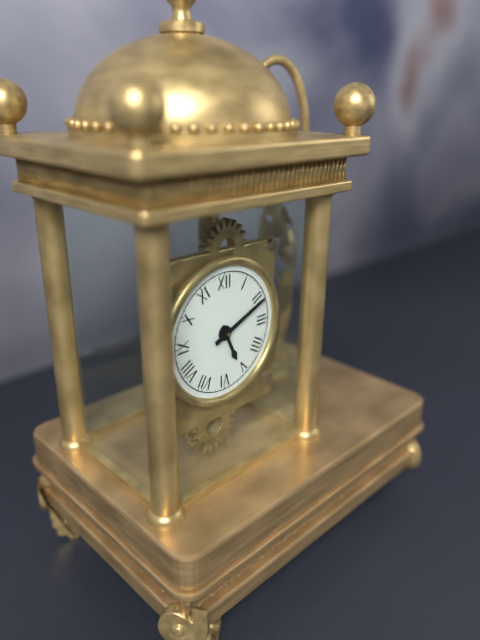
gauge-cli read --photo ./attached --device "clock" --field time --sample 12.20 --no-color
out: 5.11
